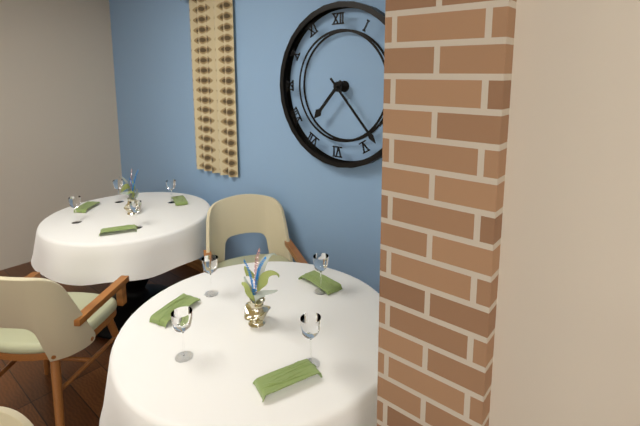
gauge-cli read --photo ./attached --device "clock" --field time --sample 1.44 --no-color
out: 7.23
